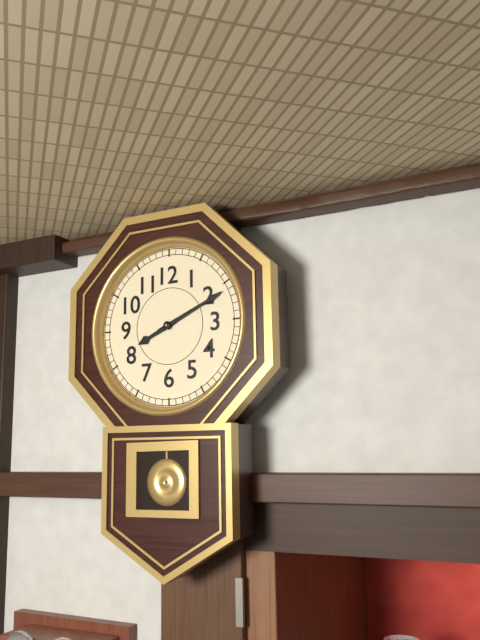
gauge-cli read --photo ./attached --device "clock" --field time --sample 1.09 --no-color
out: 8.11
